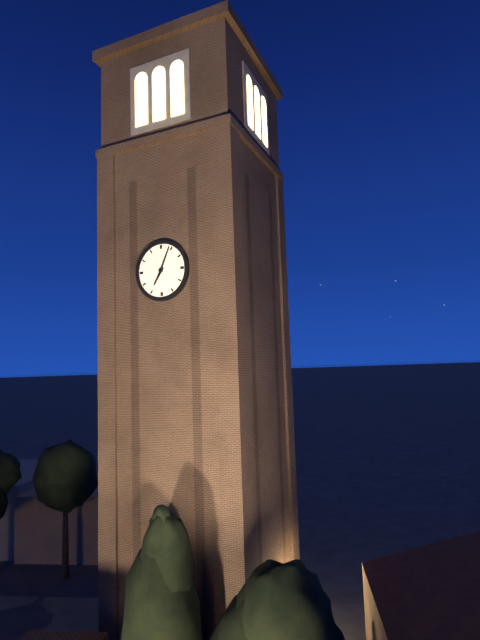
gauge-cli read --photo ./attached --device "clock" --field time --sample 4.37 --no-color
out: 7.04
